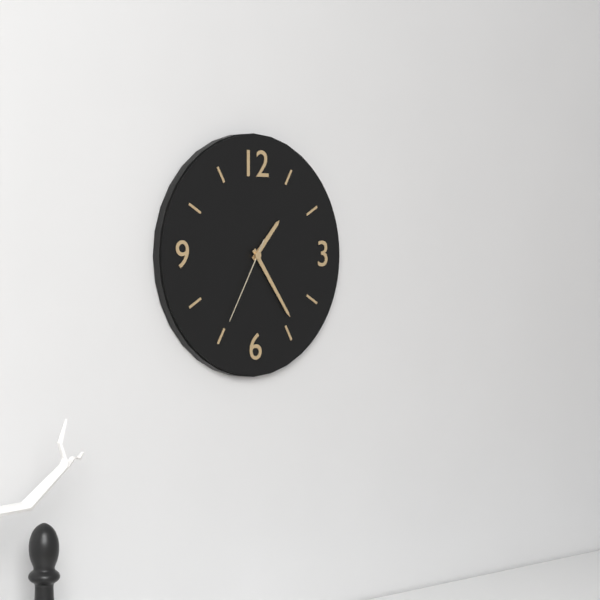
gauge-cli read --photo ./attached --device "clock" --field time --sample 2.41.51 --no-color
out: 1.24.35
